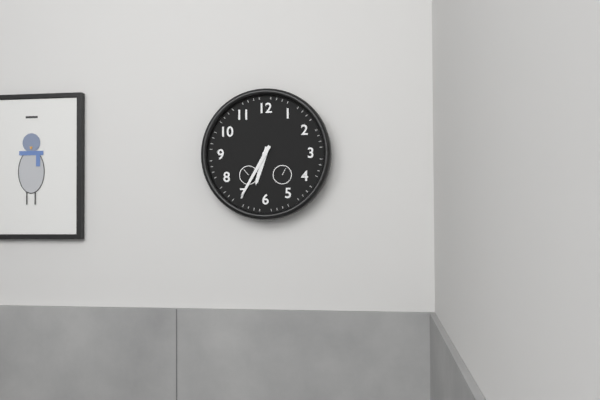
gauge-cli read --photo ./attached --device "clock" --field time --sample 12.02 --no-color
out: 6.35
